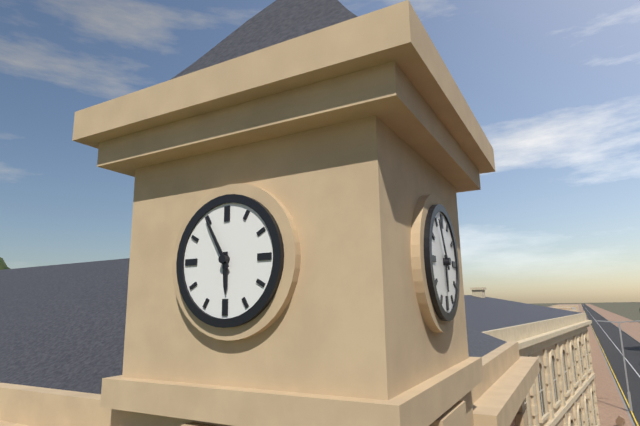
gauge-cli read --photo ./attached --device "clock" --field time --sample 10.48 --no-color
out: 5.55
